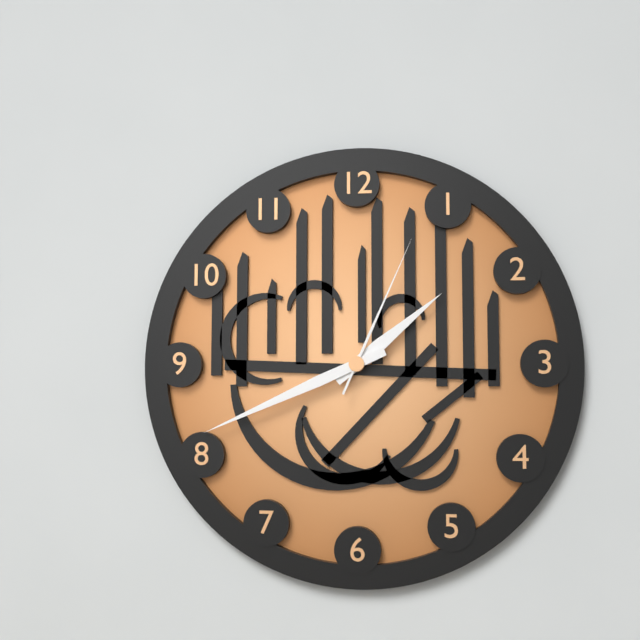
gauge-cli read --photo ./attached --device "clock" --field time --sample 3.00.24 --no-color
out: 1.41.04
